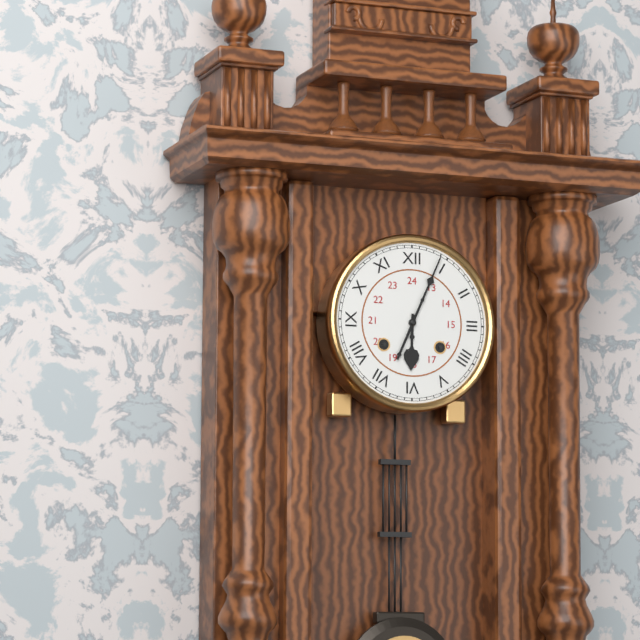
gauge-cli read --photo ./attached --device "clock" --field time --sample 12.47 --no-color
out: 6.04
